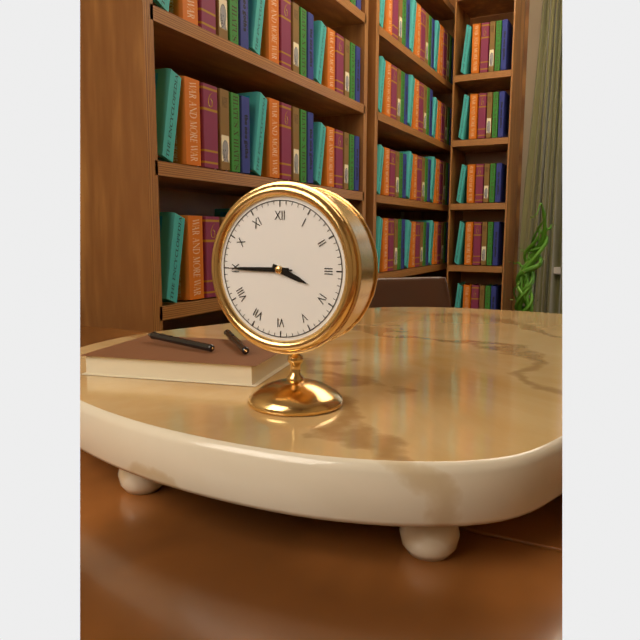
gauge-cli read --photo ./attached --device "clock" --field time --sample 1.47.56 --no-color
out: 3.45.45
